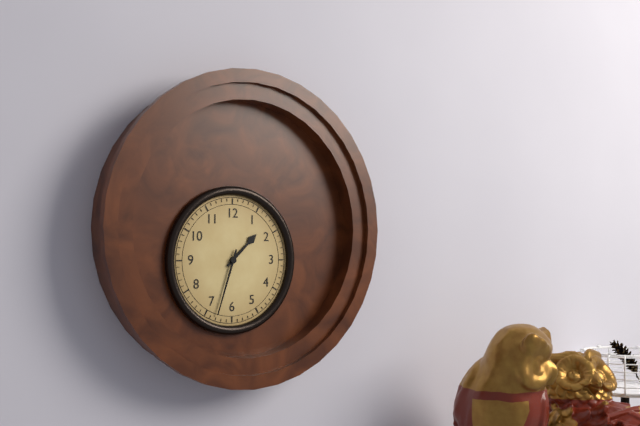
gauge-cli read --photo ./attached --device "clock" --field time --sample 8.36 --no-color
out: 1.33
